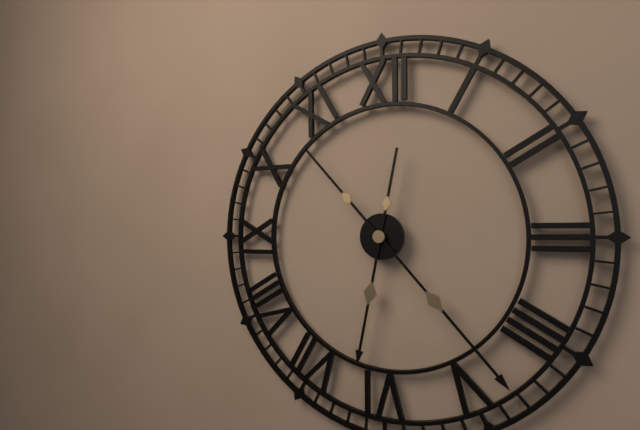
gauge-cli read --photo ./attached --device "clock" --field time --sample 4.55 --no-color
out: 6.23
